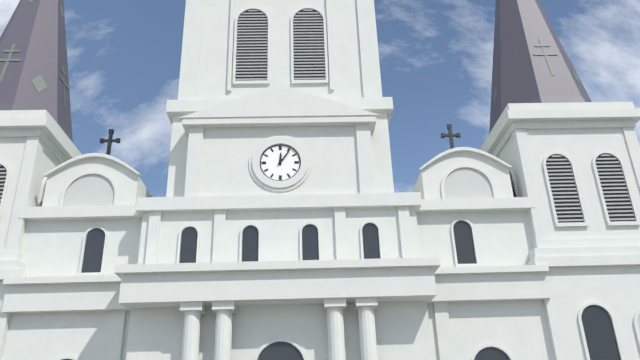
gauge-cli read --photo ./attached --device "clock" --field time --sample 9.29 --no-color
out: 12.06
